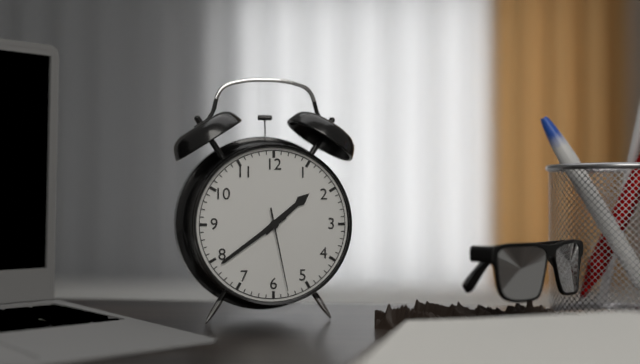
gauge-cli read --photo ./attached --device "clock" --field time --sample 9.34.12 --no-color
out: 1.39.28
